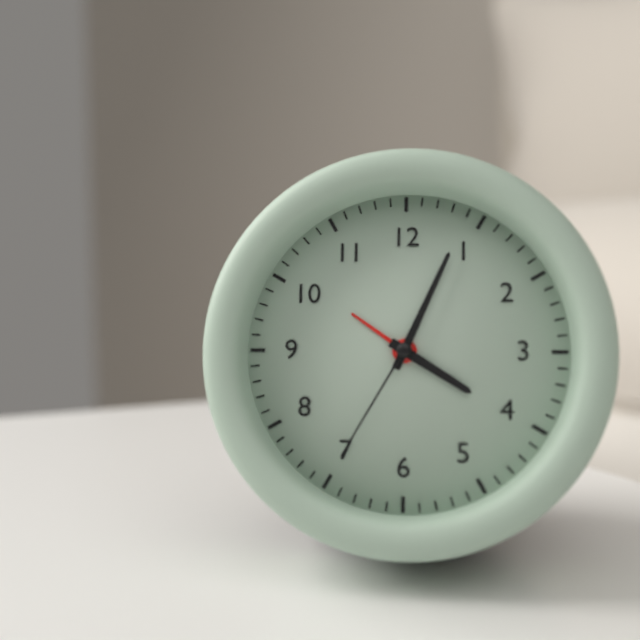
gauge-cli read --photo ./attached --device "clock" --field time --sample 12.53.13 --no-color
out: 4.04.35
